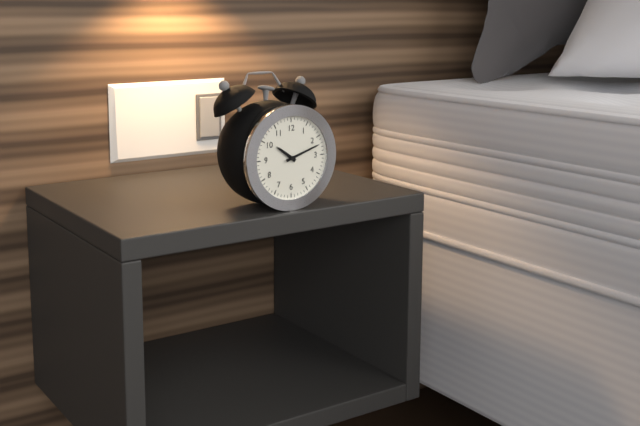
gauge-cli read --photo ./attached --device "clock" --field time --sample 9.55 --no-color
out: 10.12
